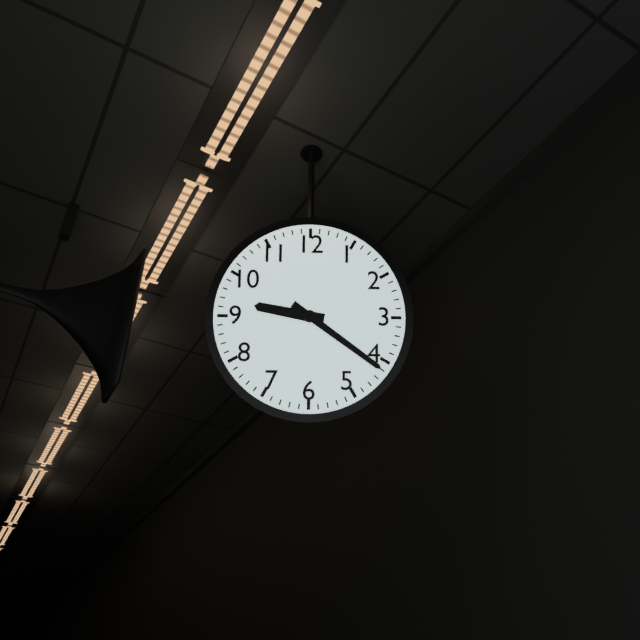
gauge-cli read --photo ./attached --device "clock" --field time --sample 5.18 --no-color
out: 9.21
